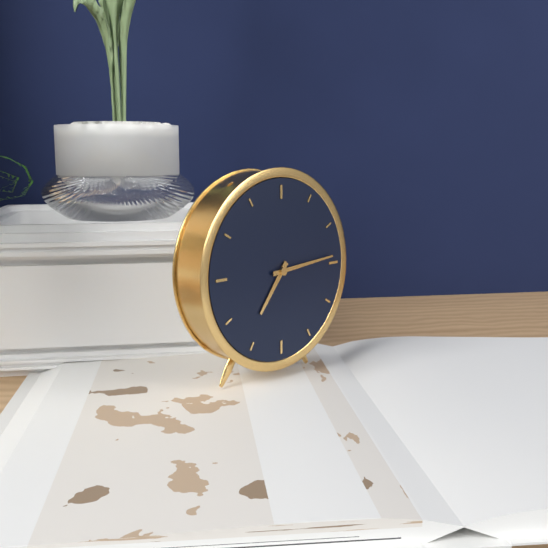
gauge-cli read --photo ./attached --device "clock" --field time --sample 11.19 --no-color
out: 7.14
